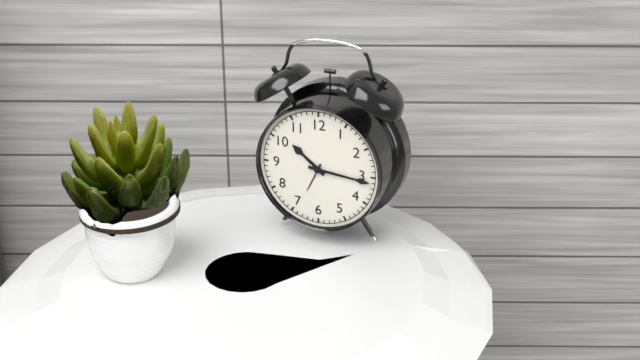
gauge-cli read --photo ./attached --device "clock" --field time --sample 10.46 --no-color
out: 10.16
